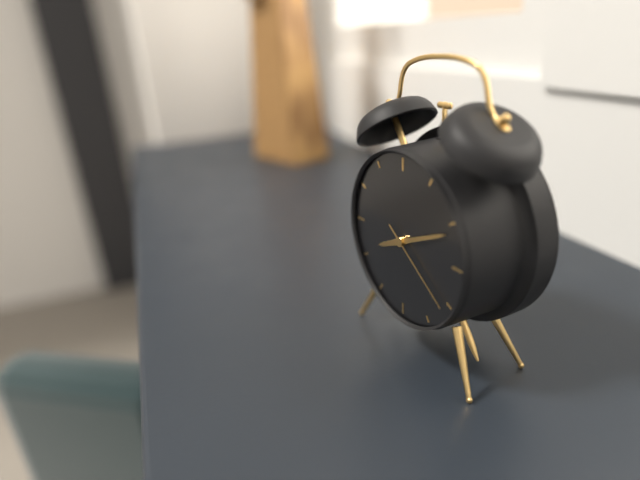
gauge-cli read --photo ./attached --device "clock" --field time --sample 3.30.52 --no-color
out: 8.11.21
